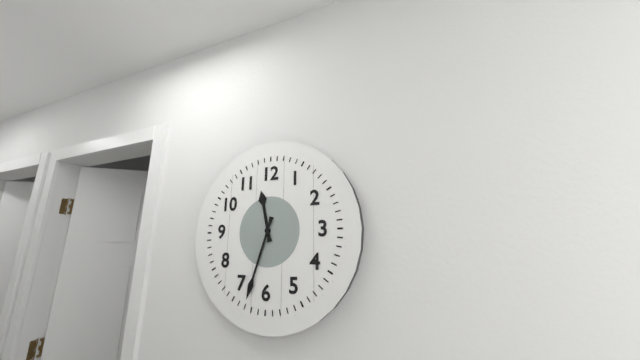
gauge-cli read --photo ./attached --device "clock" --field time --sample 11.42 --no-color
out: 11.33
